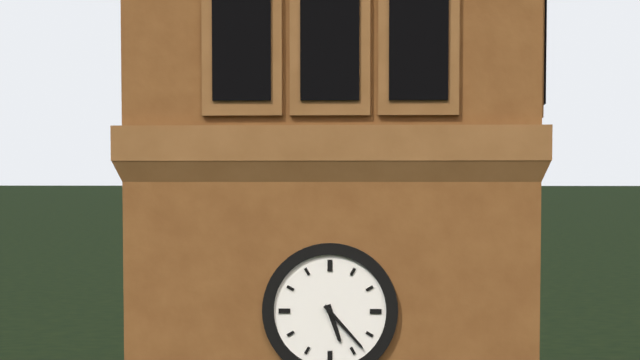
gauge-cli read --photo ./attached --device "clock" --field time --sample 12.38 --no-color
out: 5.23
